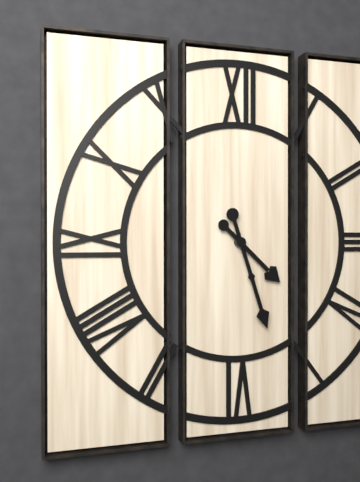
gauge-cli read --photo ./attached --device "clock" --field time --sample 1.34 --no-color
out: 4.27
